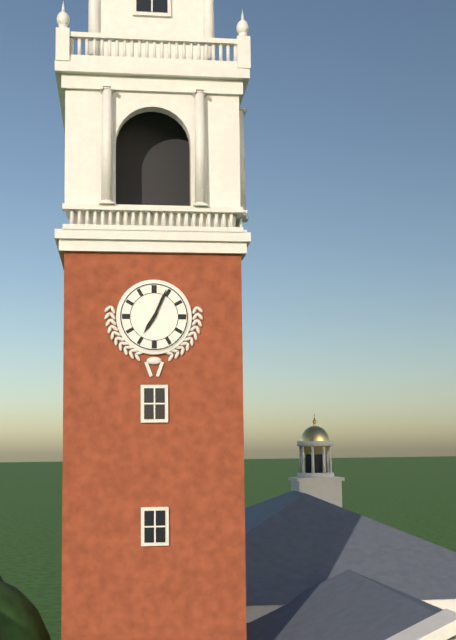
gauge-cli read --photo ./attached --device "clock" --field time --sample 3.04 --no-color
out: 7.04
